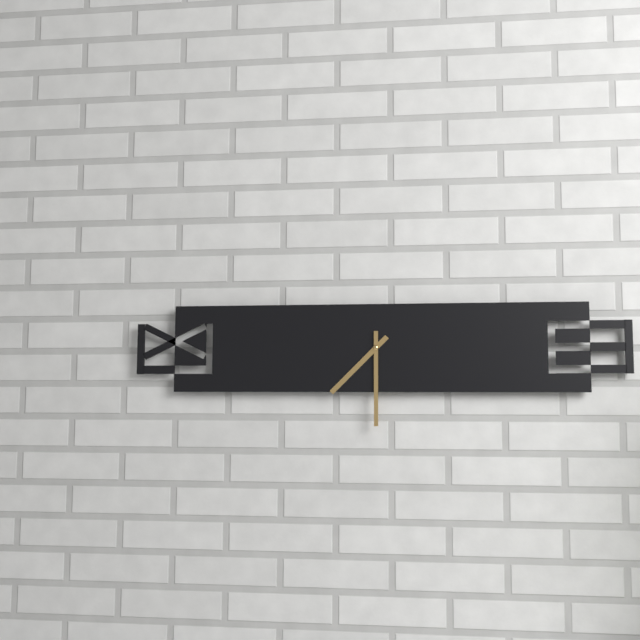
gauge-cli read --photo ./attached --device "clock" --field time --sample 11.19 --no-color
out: 7.30
